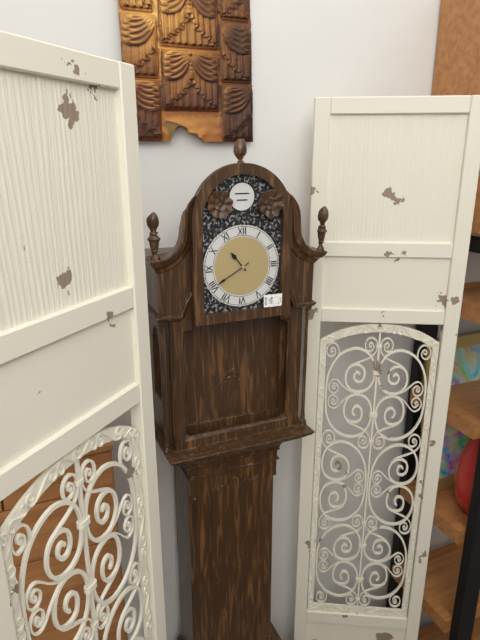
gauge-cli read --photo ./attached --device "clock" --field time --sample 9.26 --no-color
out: 10.40
